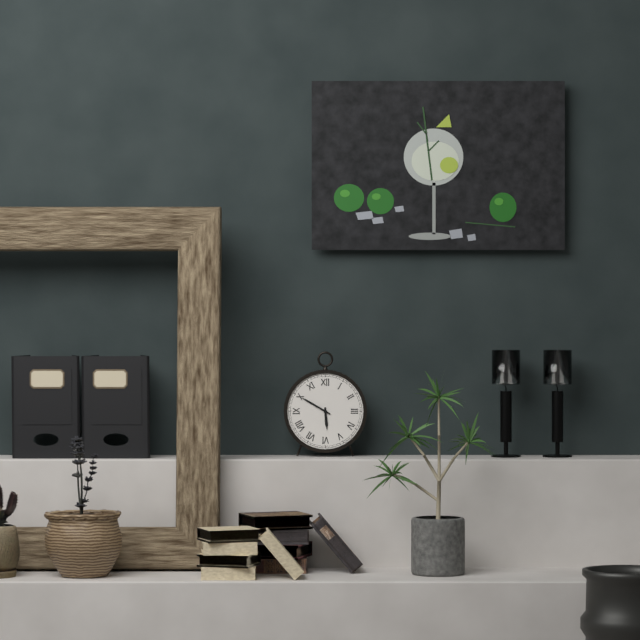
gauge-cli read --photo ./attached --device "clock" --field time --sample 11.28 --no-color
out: 5.50
